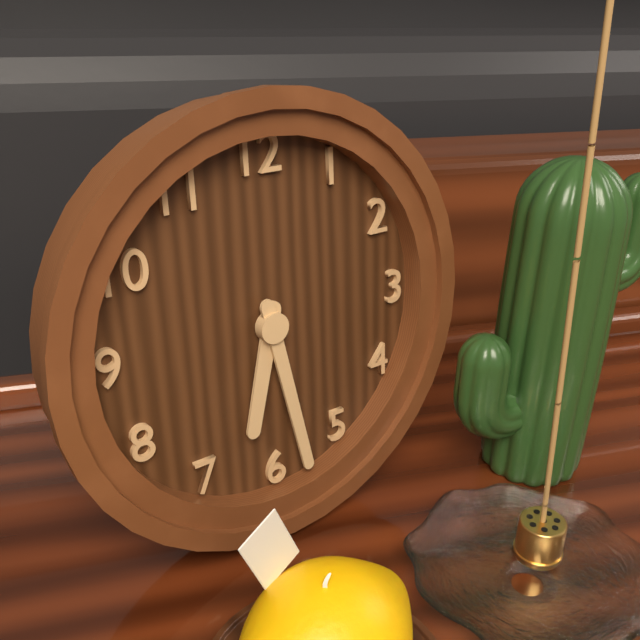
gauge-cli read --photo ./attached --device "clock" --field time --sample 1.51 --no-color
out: 6.28
